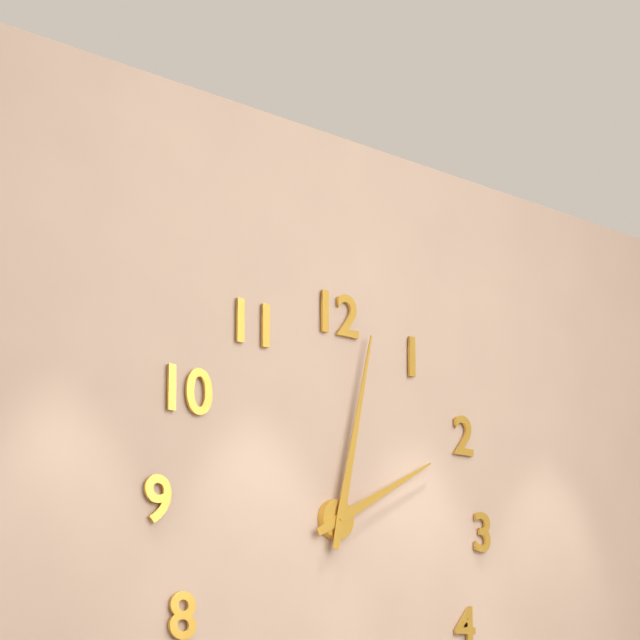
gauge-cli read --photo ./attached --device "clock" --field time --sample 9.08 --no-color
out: 2.02
